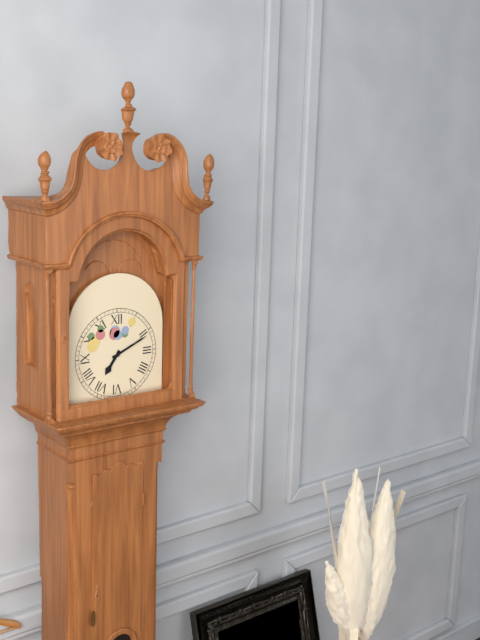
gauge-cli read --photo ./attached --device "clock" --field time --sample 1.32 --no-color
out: 7.11
